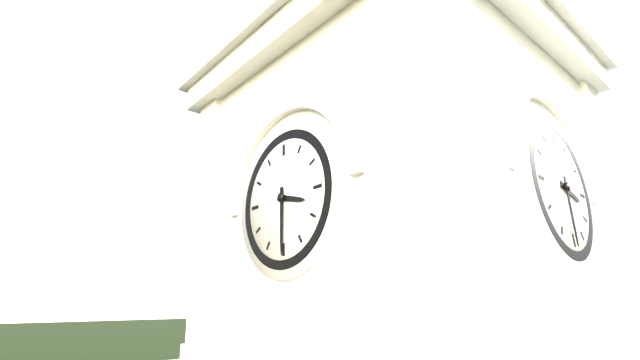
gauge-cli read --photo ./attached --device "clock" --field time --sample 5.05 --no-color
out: 3.30
